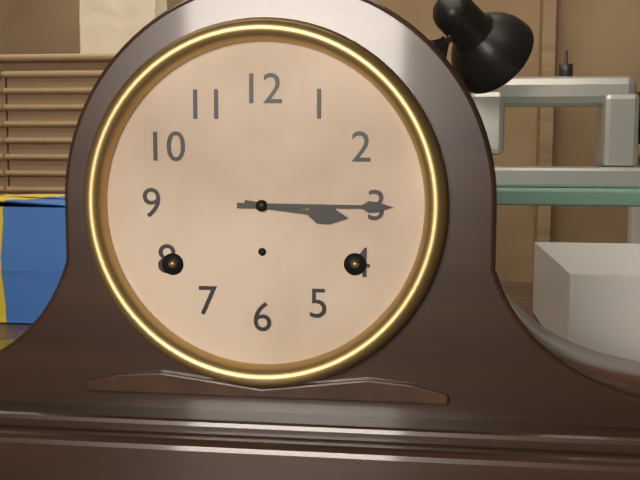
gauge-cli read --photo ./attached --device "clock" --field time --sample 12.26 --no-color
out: 3.15
